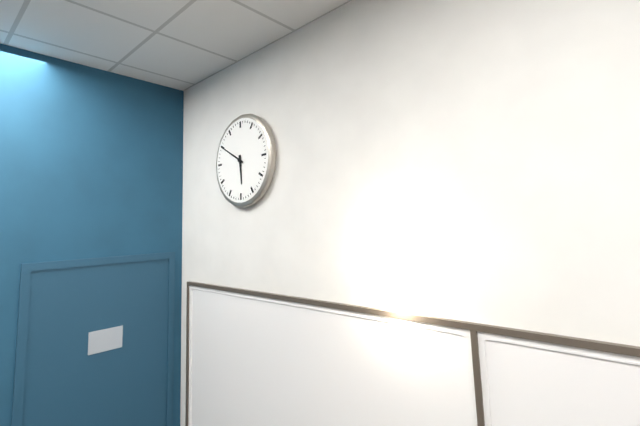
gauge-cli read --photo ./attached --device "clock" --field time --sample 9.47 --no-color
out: 5.50
